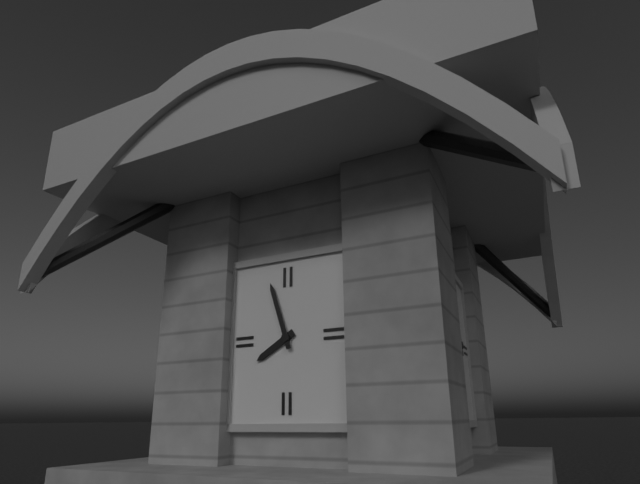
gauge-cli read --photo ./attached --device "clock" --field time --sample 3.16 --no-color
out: 7.57
